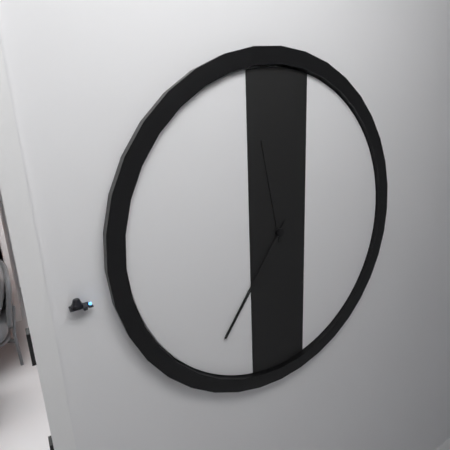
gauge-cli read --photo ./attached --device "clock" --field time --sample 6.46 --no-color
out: 11.36
